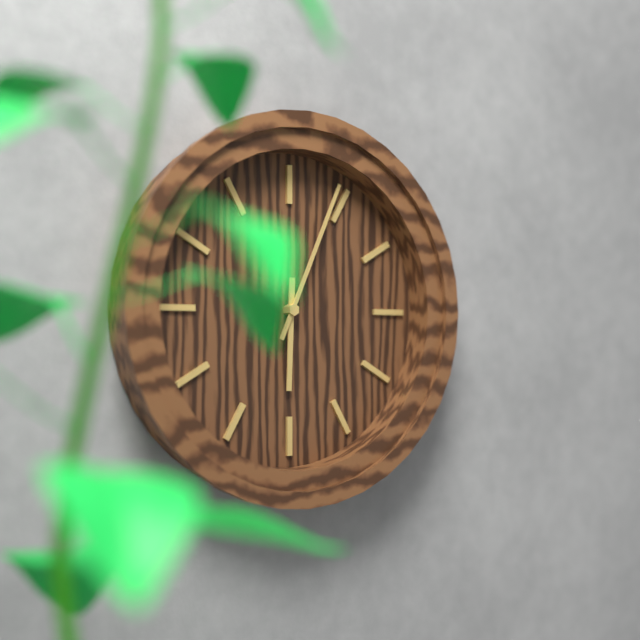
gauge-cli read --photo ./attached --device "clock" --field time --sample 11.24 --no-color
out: 6.04
